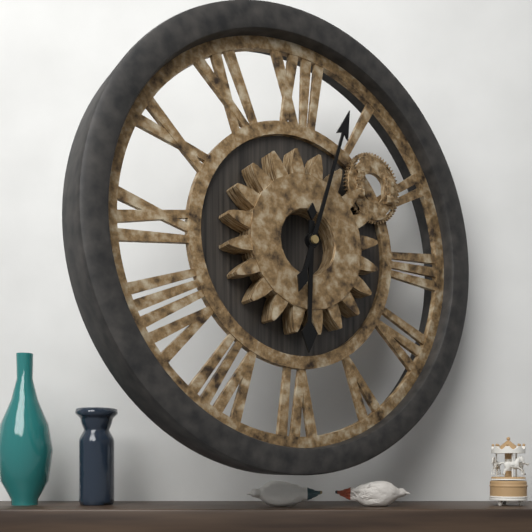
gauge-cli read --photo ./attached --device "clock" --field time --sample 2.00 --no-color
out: 6.03
